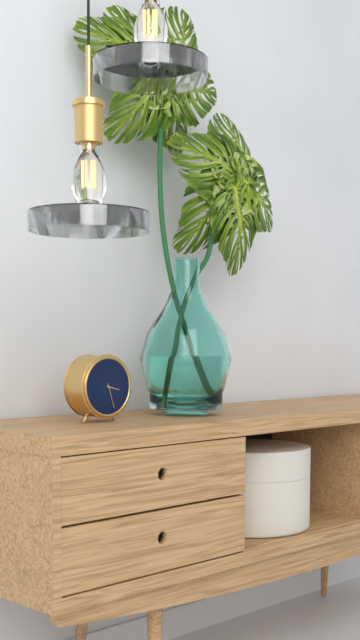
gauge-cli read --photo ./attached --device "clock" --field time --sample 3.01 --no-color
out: 3.27
